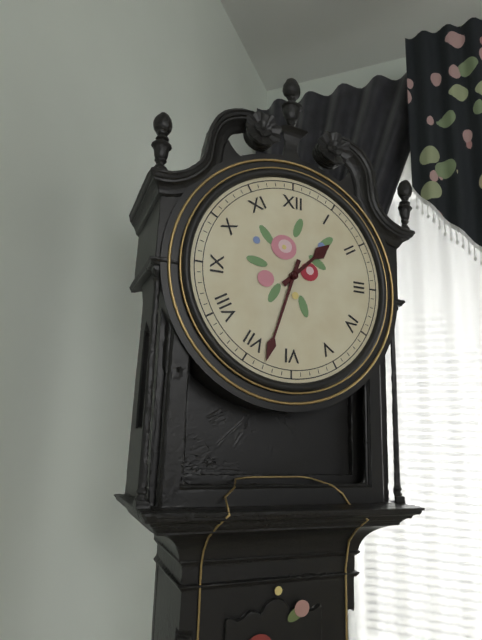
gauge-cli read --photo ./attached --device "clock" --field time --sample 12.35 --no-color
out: 1.33
